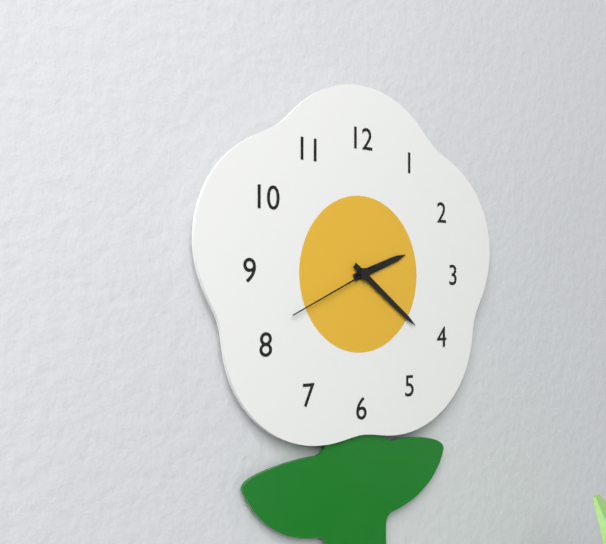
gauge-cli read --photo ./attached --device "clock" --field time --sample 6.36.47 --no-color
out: 2.21.41
